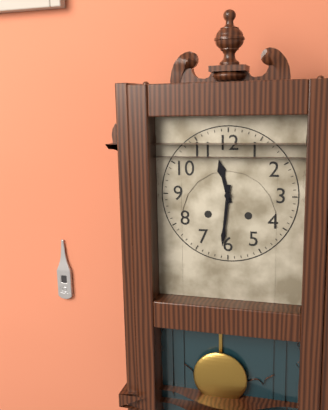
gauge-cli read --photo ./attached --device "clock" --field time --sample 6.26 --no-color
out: 11.31
